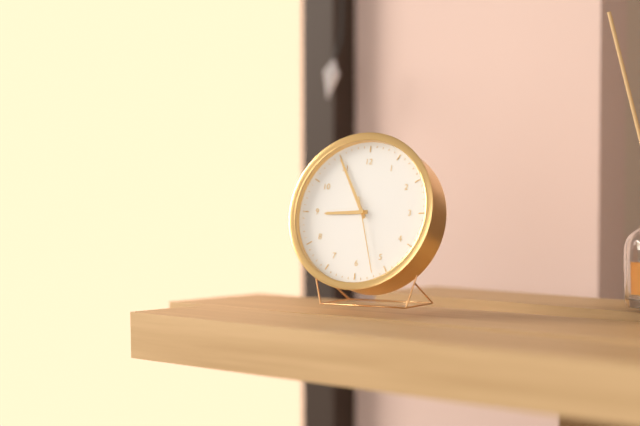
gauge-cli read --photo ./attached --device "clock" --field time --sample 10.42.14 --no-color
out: 8.55.27
